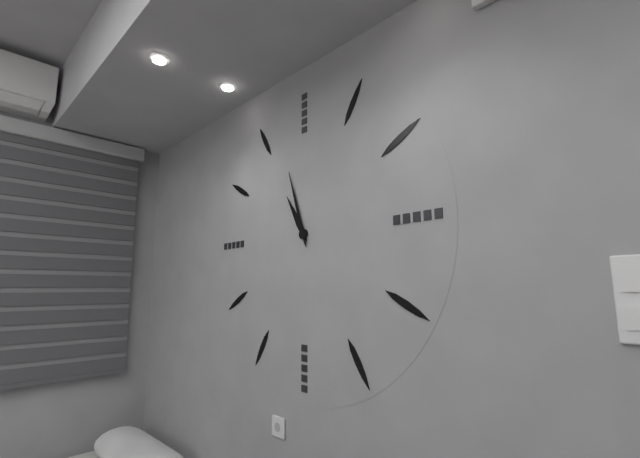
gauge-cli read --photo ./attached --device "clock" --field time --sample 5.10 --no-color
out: 10.57
